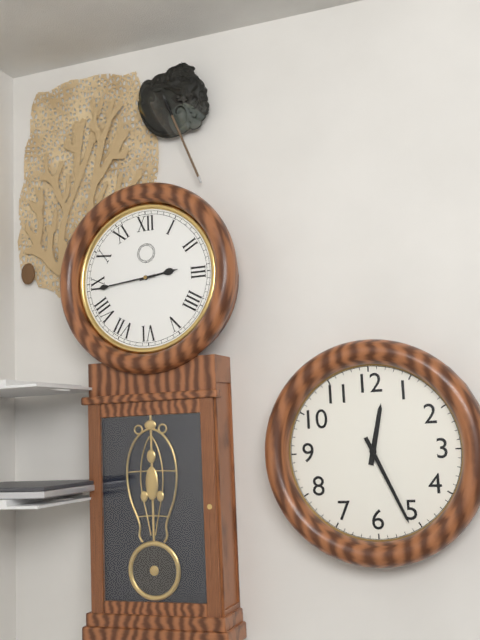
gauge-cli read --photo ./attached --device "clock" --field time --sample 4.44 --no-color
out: 2.44
